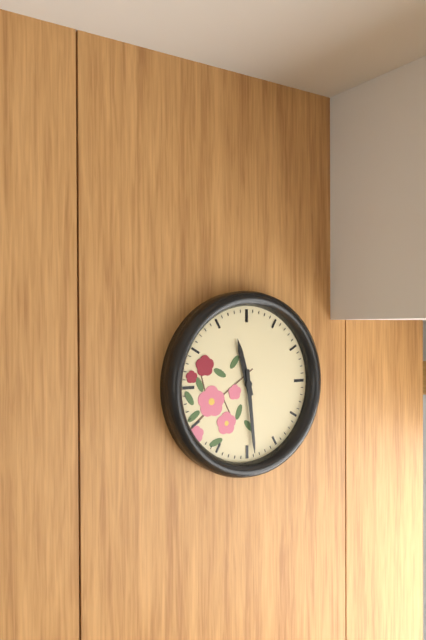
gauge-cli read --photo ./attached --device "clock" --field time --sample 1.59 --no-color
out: 11.29
